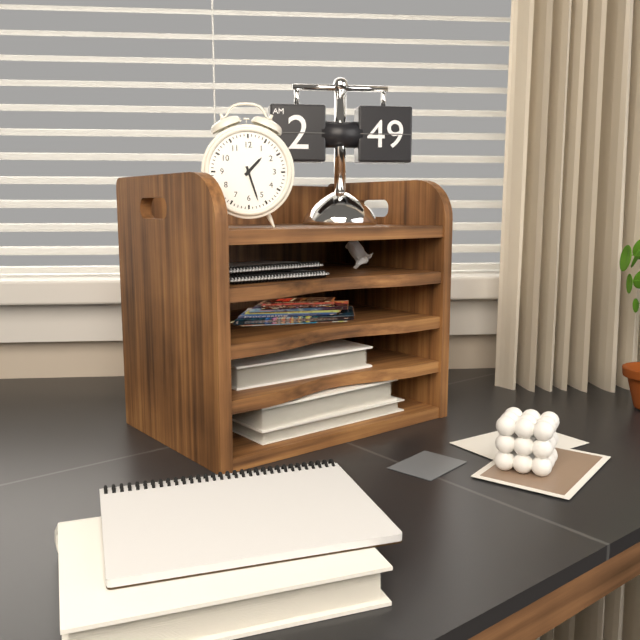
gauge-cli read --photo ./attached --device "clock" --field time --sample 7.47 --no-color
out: 1.27
